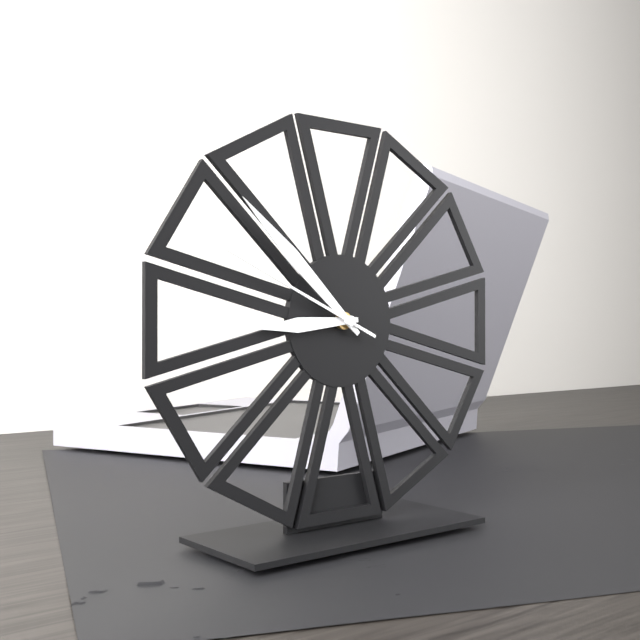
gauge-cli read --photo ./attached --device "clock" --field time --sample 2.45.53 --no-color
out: 8.52.49
